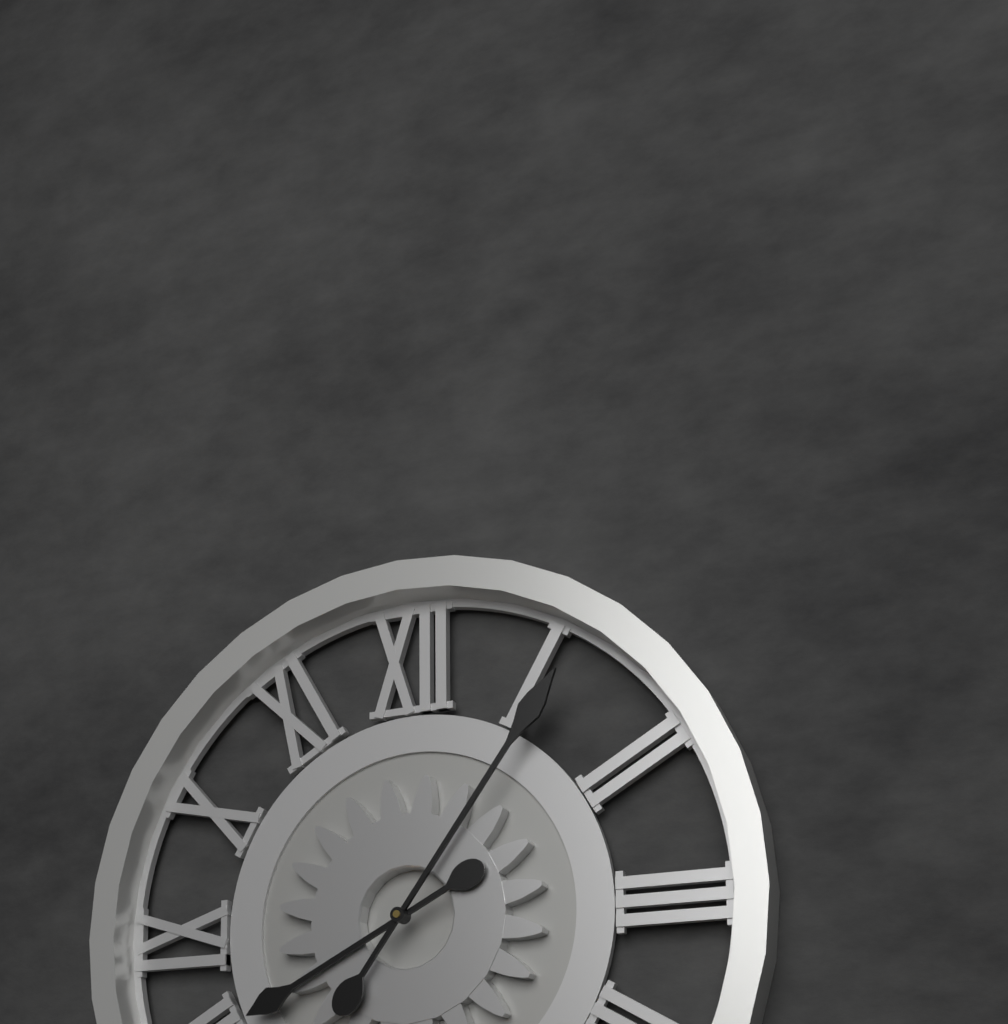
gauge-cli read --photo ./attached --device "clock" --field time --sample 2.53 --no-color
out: 8.06
